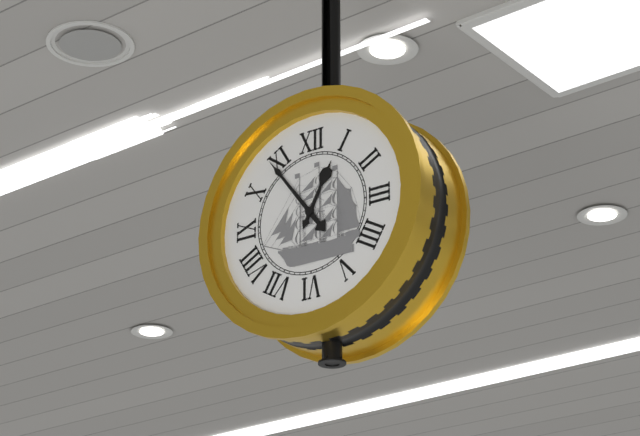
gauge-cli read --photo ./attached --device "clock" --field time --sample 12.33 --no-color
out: 12.54
